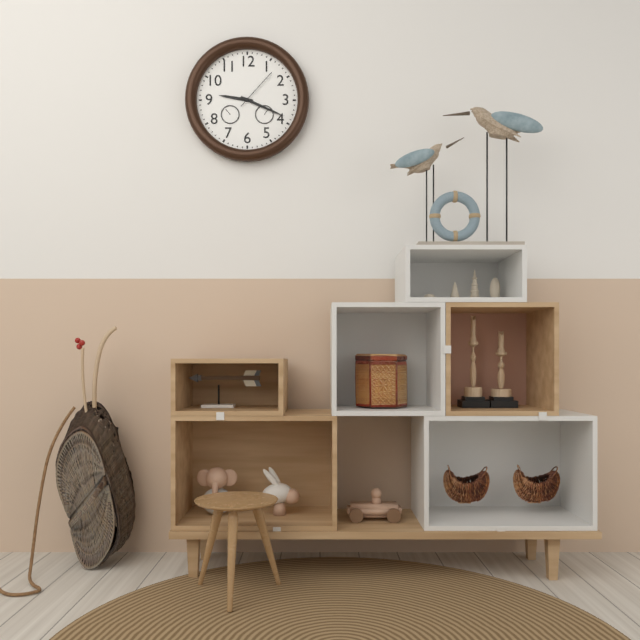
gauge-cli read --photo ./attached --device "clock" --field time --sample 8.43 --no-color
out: 9.19
